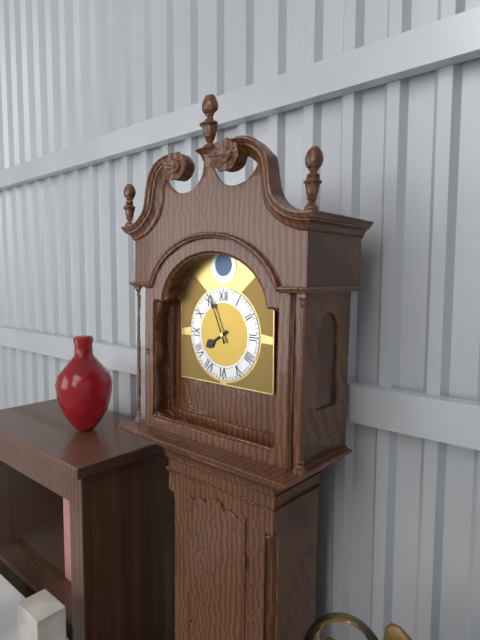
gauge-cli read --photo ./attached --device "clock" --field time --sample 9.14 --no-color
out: 7.56
